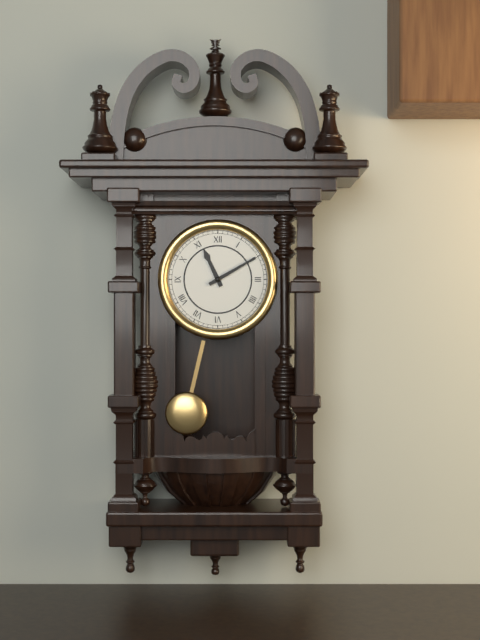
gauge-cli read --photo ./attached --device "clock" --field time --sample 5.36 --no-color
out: 11.10
